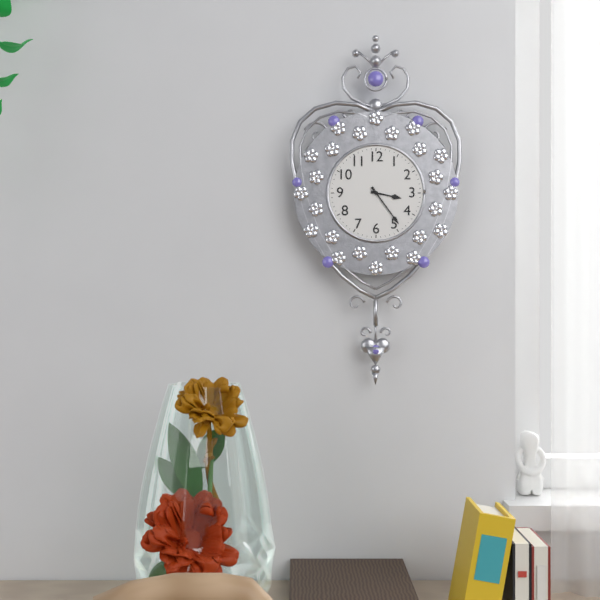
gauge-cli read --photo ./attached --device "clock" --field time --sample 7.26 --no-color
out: 3.24
